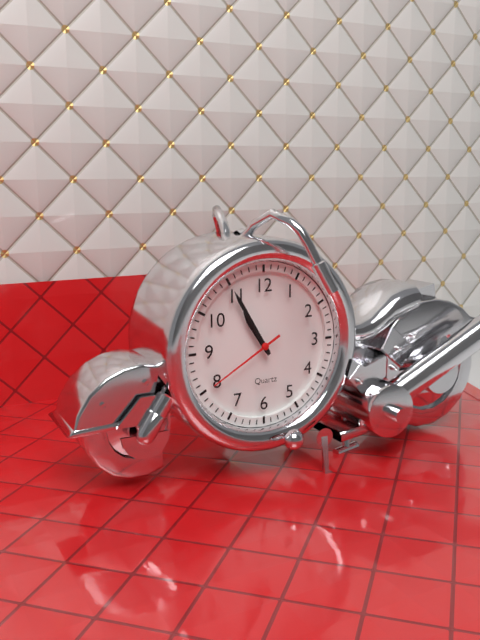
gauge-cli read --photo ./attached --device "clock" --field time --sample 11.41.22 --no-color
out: 10.55.40
